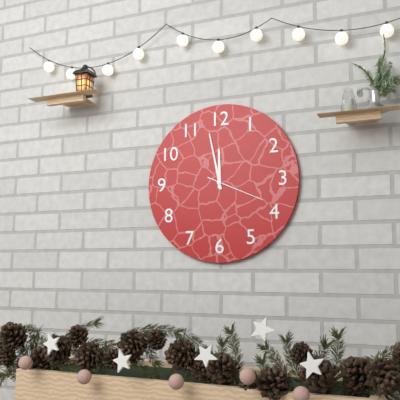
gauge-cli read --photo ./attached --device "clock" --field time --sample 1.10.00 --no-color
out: 11.58.19
